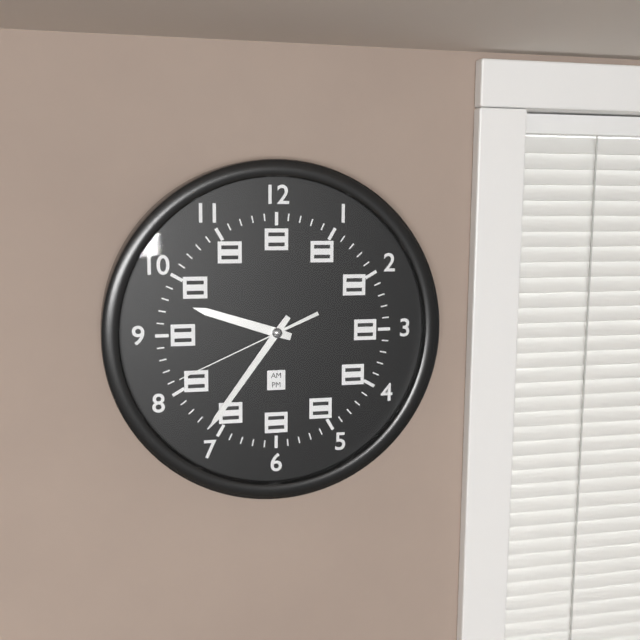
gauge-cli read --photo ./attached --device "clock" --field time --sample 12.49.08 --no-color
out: 9.36.41
